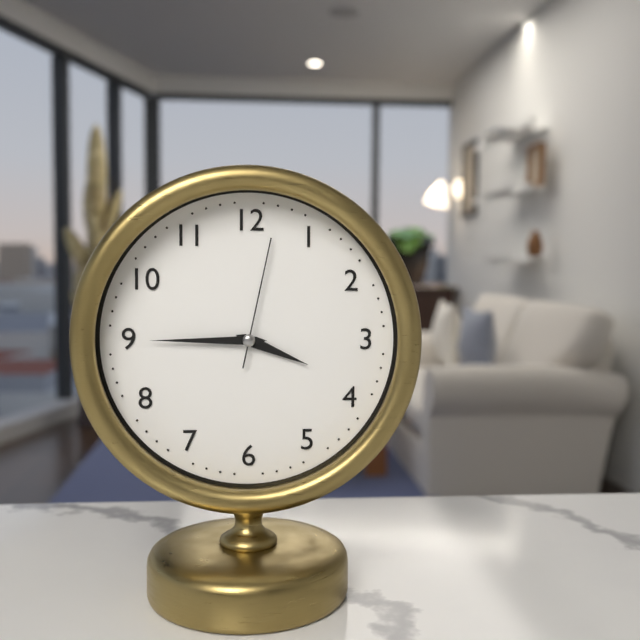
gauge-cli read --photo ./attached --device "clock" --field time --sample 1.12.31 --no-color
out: 3.45.02
